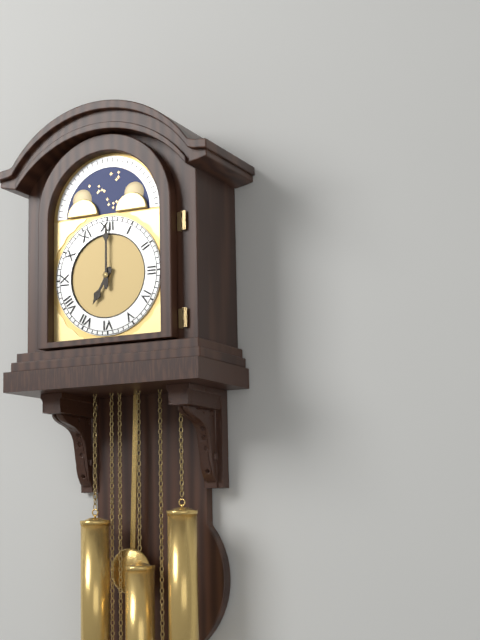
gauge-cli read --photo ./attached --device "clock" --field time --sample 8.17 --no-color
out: 7.00
